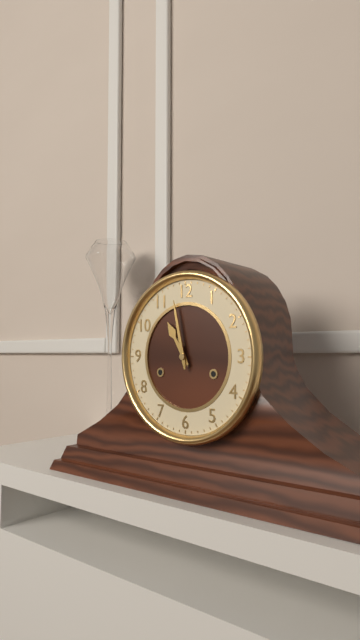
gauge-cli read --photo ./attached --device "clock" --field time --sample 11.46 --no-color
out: 10.58
